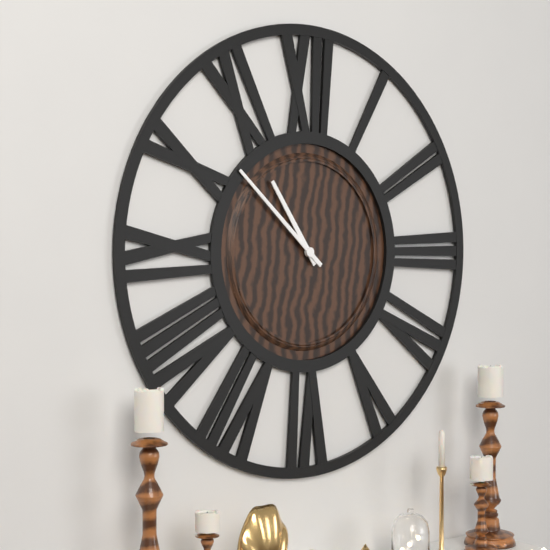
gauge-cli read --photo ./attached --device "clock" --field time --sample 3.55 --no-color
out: 10.52
